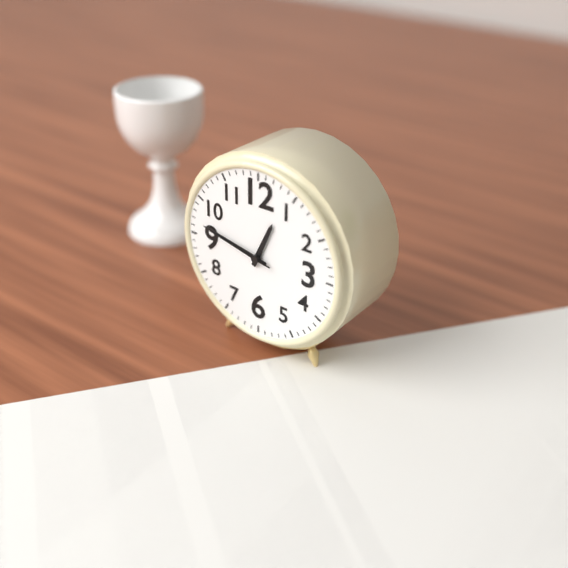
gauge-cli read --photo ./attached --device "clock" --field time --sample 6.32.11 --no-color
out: 12.47.47
